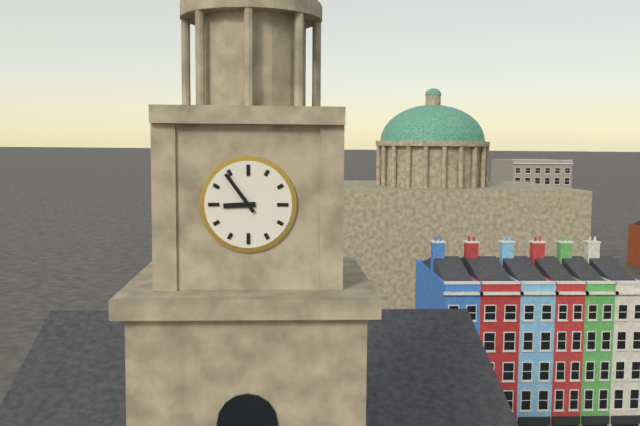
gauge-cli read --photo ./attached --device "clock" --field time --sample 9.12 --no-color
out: 8.54
